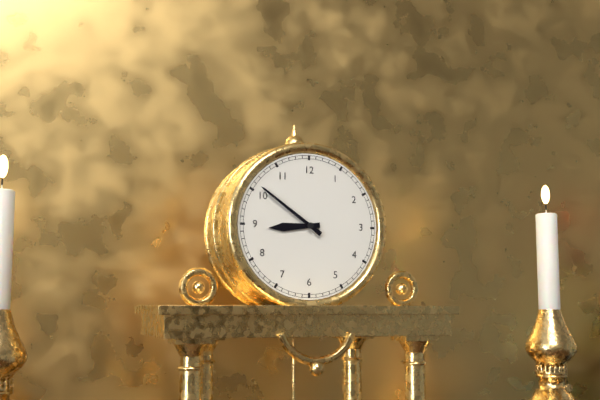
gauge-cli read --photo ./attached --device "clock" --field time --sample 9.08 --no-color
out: 8.51
